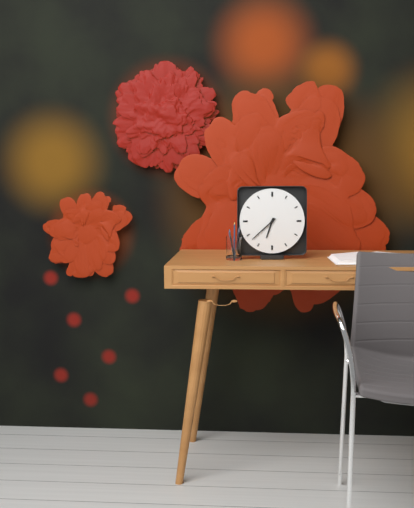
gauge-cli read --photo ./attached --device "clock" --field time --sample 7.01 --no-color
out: 6.38
